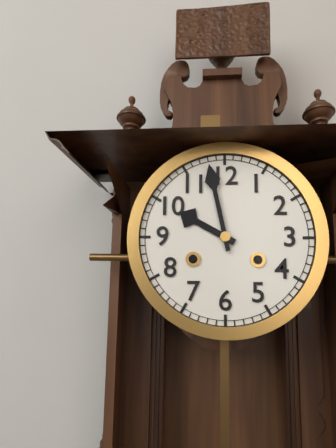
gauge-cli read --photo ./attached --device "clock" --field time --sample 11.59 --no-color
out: 9.58
